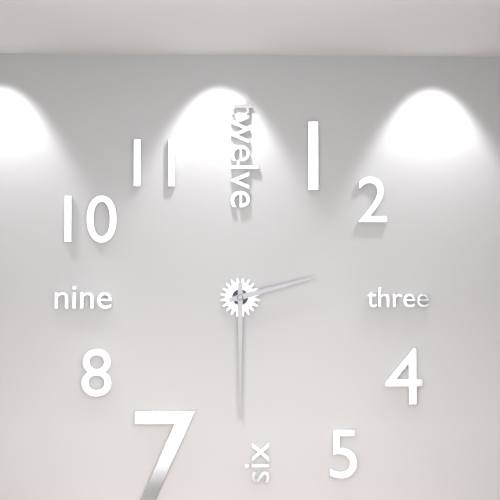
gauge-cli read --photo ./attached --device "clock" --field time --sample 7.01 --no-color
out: 2.30
